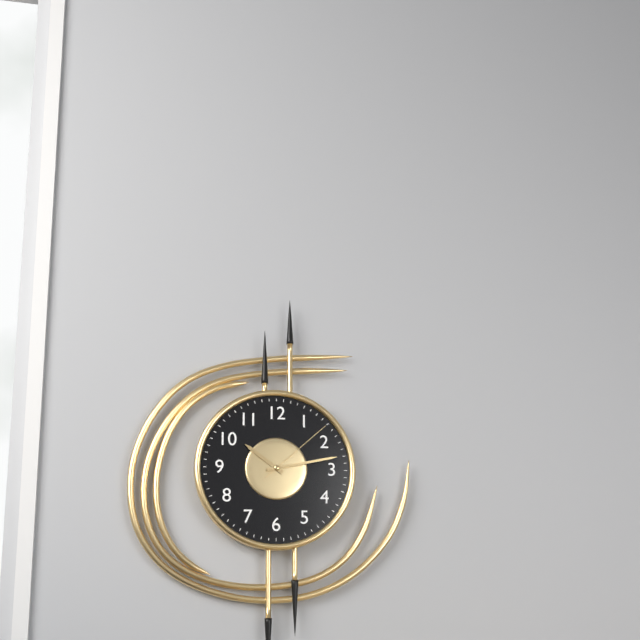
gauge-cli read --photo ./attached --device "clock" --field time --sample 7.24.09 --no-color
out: 10.13.08
